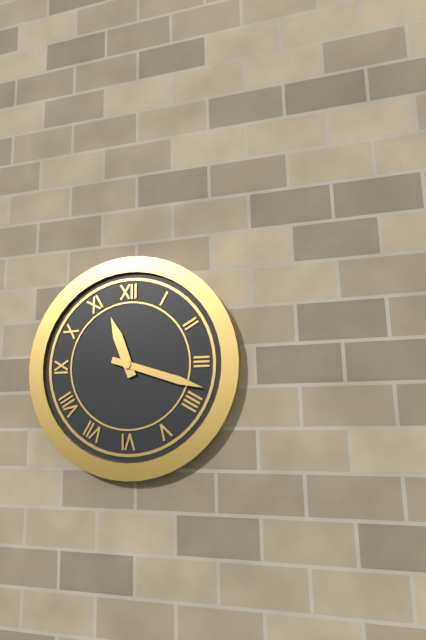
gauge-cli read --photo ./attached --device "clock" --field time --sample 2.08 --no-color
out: 11.18
